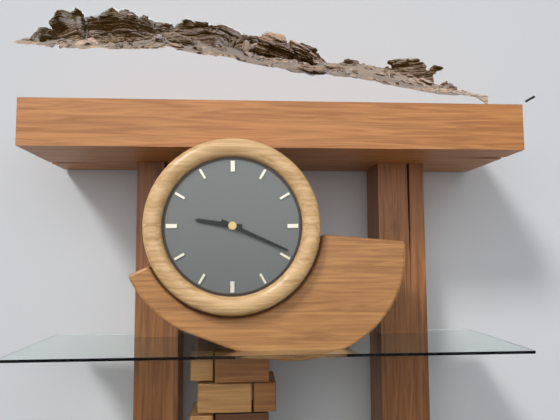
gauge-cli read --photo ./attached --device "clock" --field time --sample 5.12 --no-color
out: 9.19
